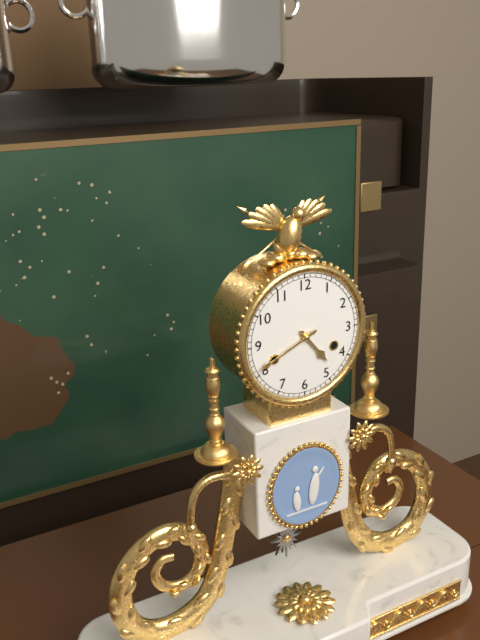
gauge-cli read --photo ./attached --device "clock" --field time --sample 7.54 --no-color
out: 4.41
